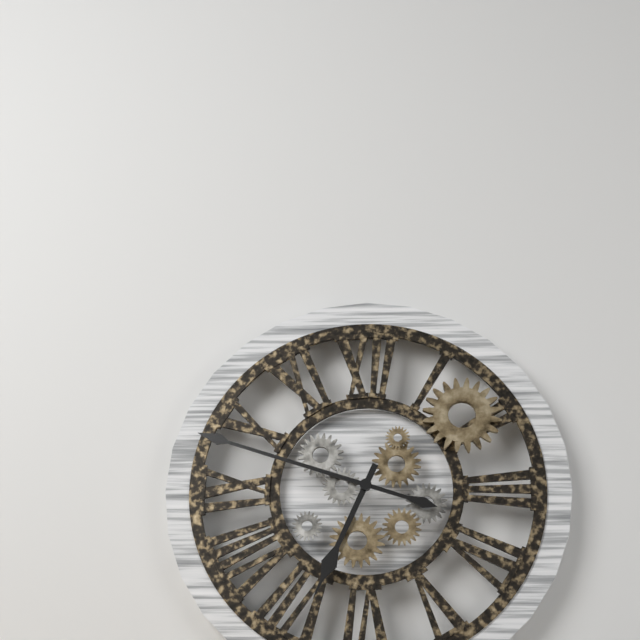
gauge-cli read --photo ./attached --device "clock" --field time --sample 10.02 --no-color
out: 6.48
